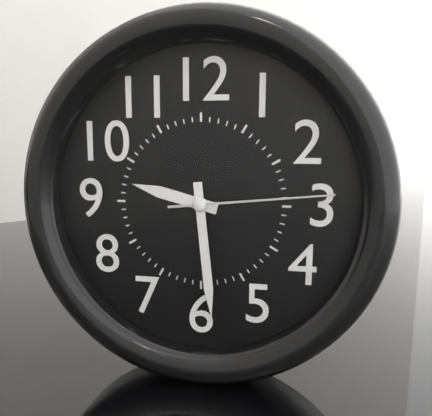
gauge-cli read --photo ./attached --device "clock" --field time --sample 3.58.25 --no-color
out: 9.29.14
